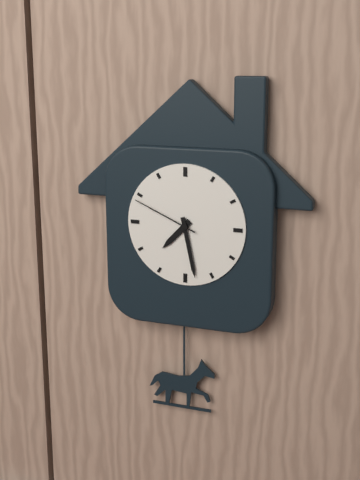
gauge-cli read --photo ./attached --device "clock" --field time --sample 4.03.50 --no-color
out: 7.28.49
